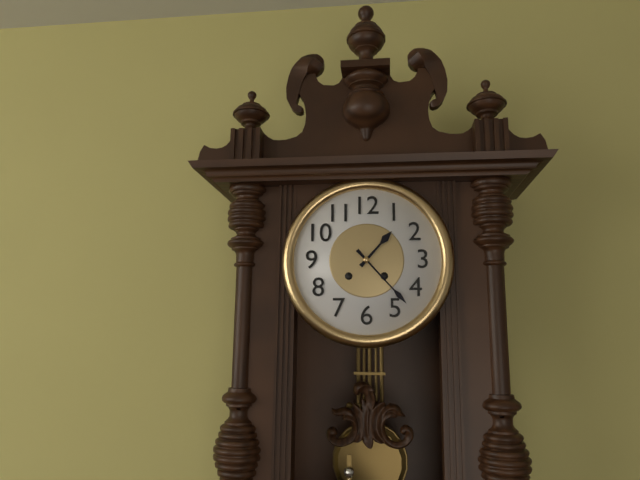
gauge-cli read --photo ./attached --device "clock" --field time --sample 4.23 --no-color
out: 1.23
